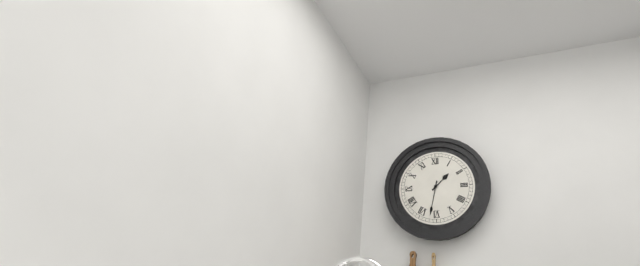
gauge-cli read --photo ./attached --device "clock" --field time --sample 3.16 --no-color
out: 1.32
